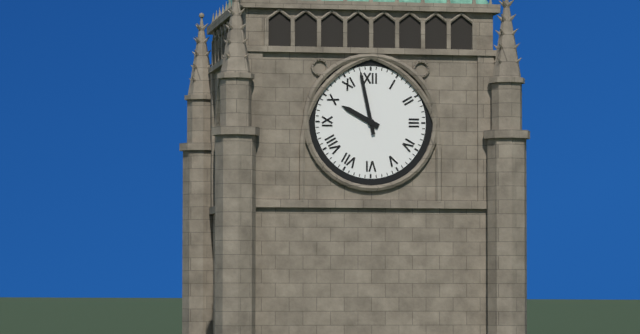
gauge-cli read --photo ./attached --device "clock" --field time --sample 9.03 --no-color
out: 9.58
